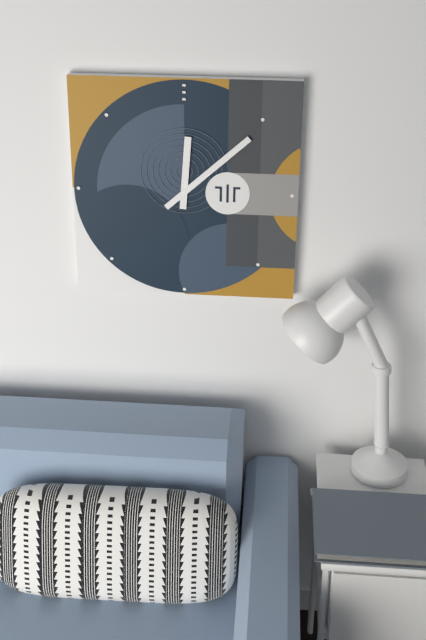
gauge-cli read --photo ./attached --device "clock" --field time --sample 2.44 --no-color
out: 12.08
